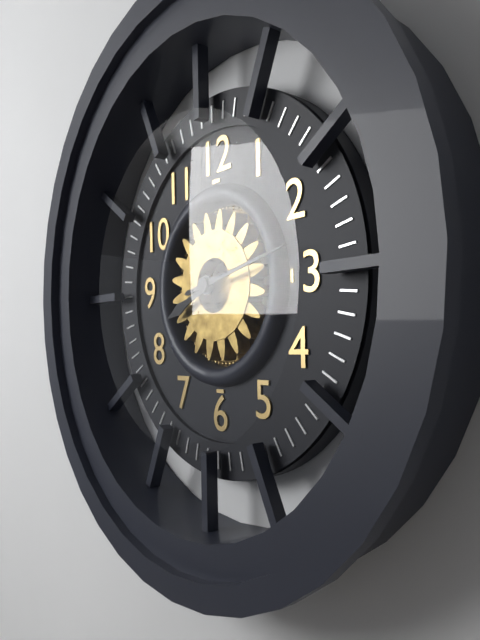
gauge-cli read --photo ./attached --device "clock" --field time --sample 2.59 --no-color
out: 8.13
